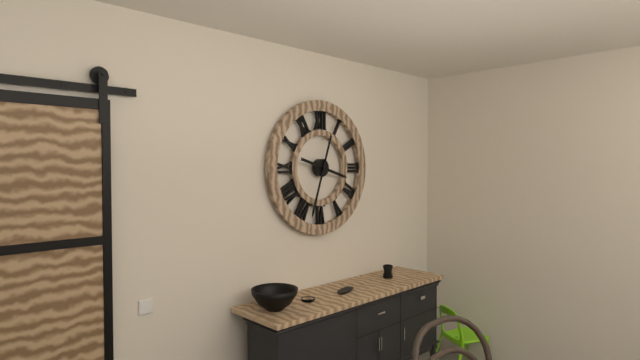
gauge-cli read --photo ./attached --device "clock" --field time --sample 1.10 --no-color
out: 3.33
